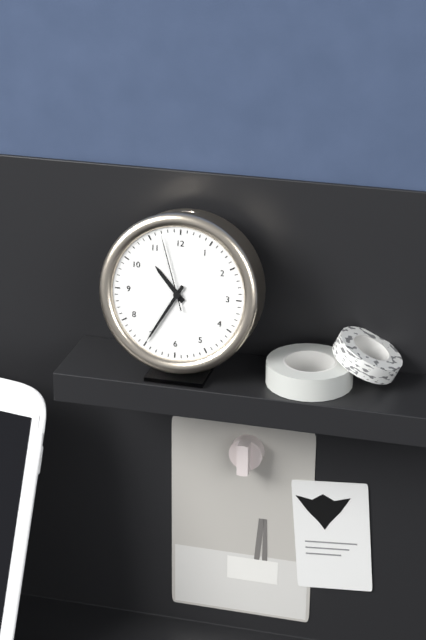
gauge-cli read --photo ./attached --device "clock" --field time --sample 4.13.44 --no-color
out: 10.35.57
